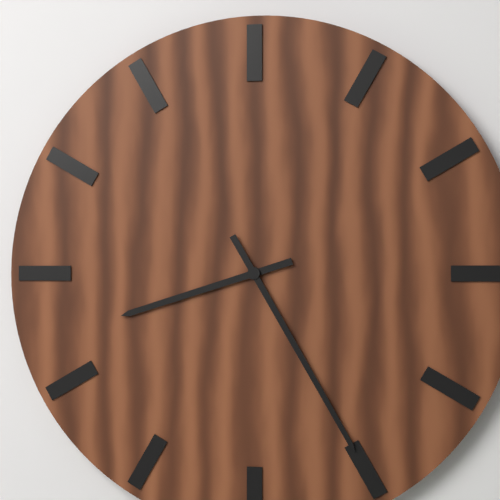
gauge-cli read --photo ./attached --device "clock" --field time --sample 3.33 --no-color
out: 8.25
